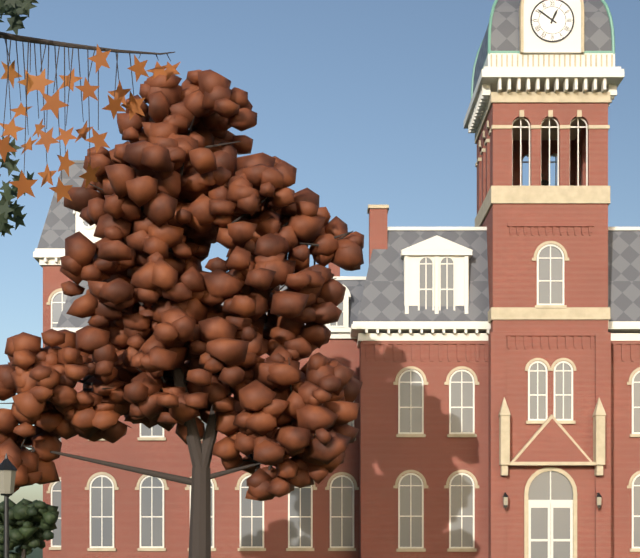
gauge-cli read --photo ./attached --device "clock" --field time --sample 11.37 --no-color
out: 12.51
